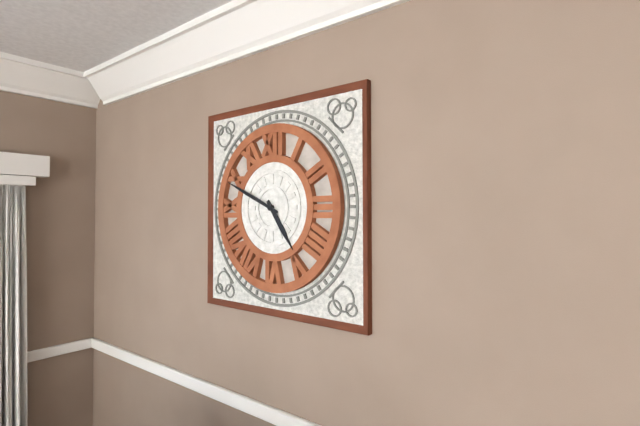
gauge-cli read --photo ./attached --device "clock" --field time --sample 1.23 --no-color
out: 4.49
